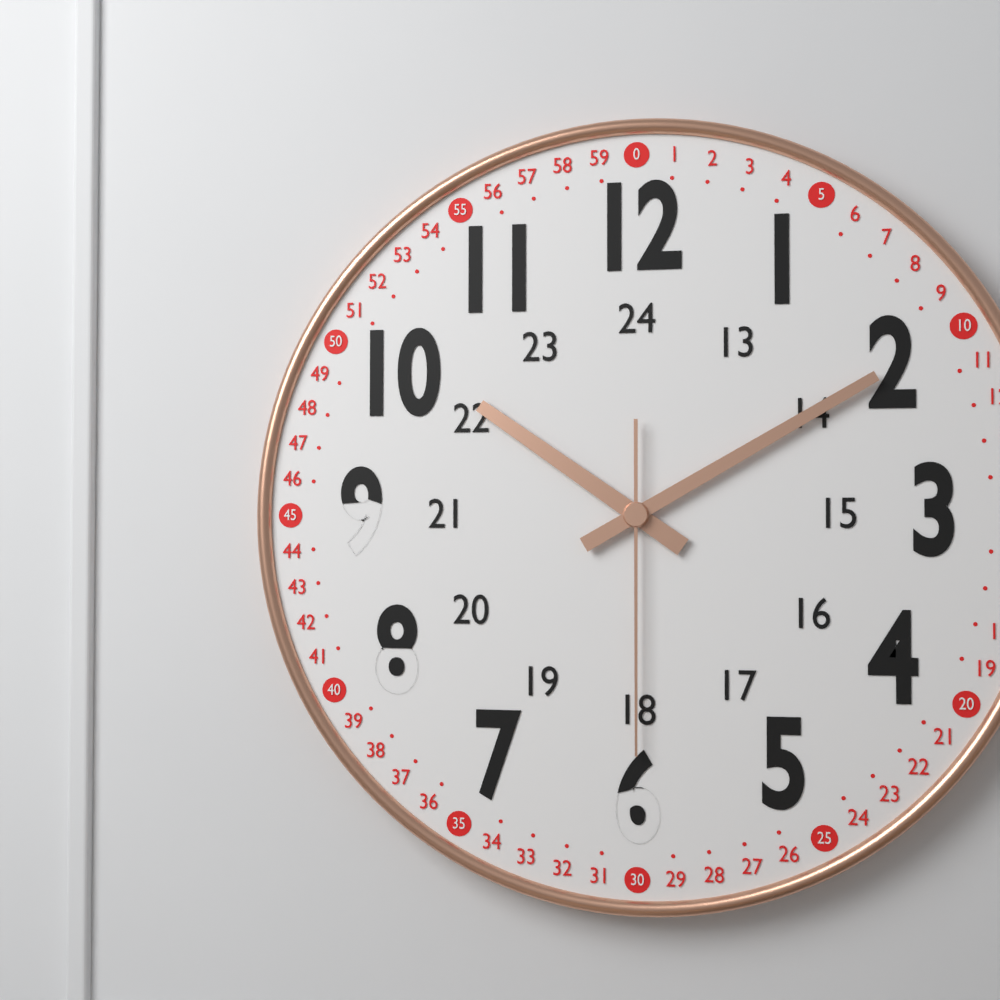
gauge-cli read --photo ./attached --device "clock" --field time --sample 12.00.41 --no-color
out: 10.10.30
